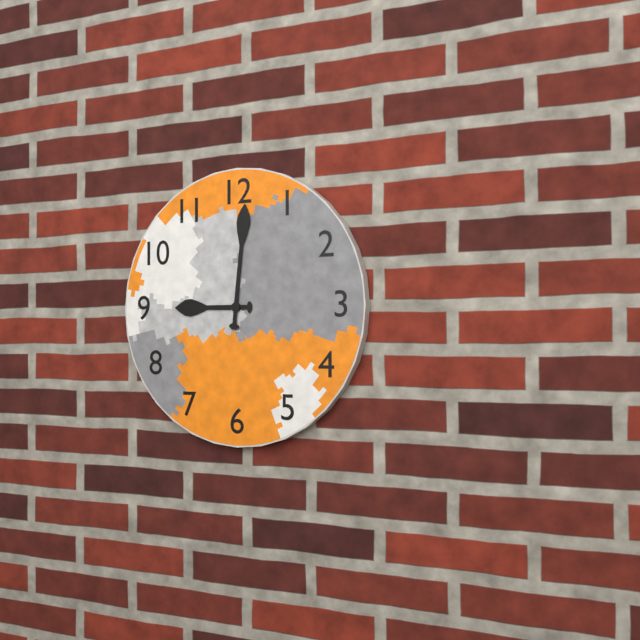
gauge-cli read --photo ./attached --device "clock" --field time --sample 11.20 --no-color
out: 9.01
